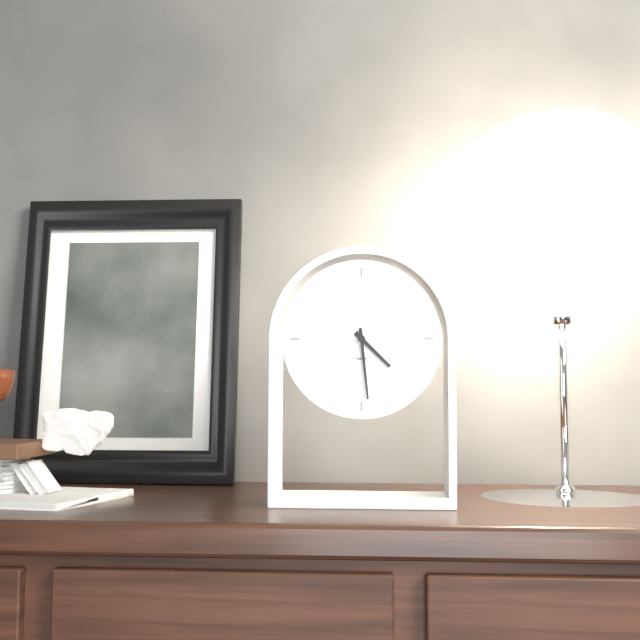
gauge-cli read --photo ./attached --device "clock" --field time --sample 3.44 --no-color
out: 4.29
